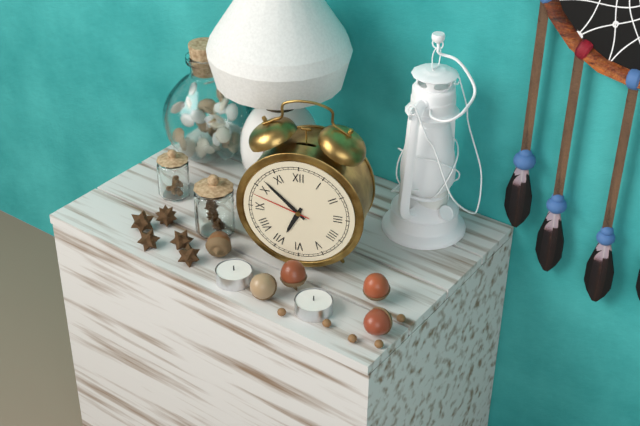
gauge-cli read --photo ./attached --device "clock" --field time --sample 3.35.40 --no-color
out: 6.52.48
